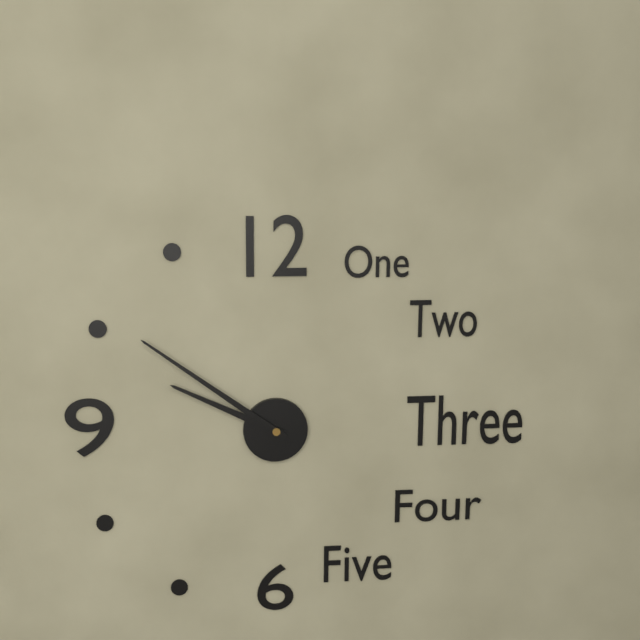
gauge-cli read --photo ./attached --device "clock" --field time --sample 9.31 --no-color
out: 9.51
